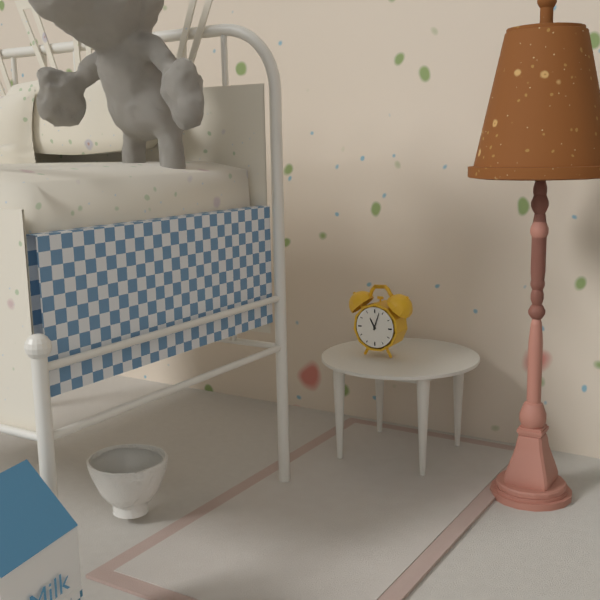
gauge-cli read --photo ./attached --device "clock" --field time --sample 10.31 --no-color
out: 11.03
